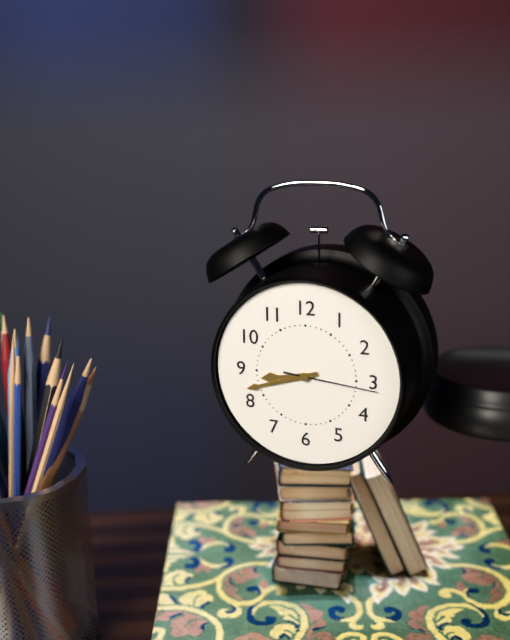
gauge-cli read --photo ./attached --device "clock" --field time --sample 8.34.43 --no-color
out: 8.42.16
